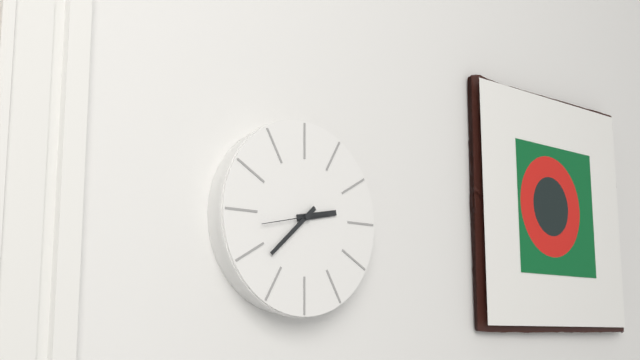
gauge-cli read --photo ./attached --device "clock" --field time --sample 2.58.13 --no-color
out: 2.38.43
